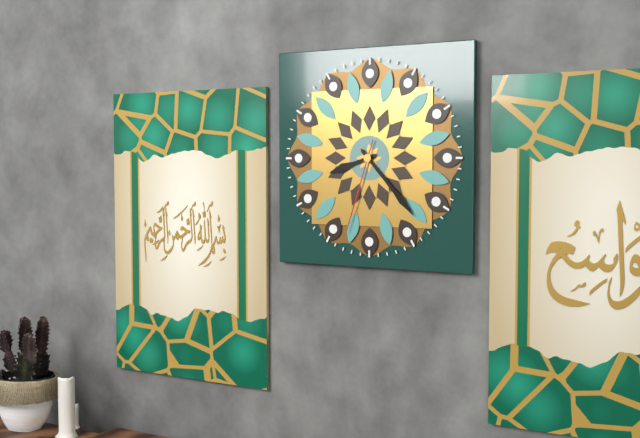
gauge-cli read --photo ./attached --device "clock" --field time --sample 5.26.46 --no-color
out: 8.23.33
